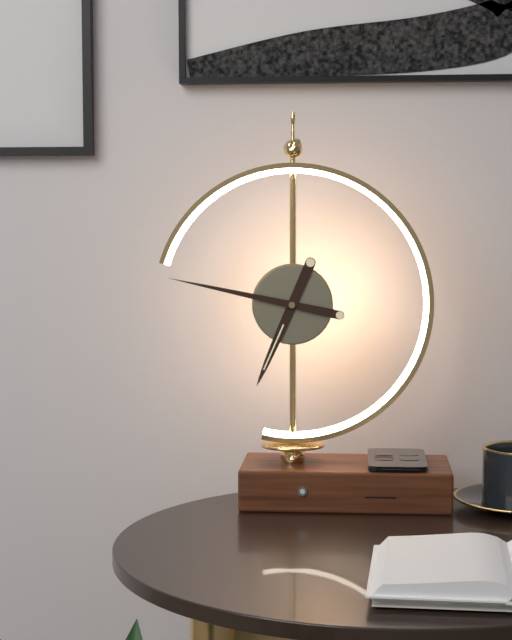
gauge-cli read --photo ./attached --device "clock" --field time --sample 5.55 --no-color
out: 6.47
